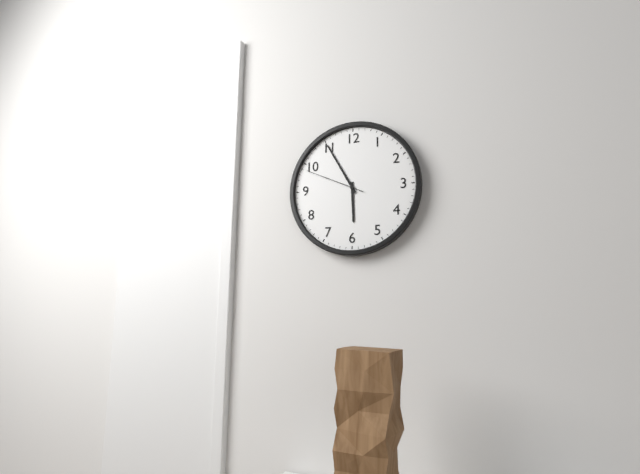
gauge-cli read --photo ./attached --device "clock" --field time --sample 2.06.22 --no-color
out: 5.55.49
